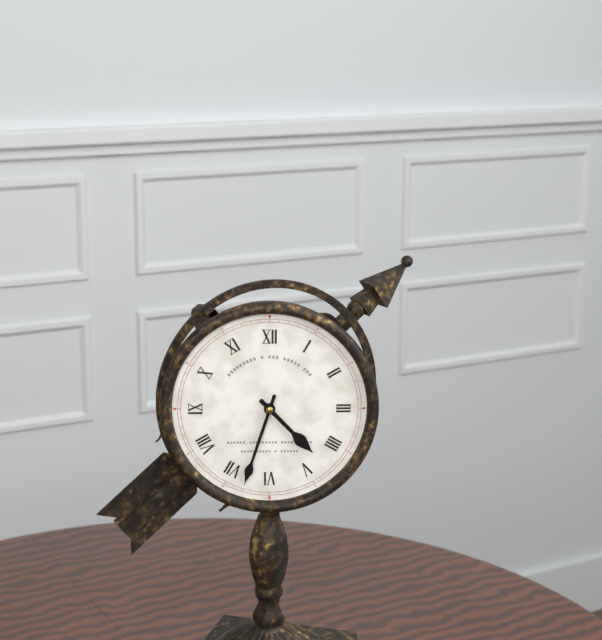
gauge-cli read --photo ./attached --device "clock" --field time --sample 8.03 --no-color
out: 4.33
